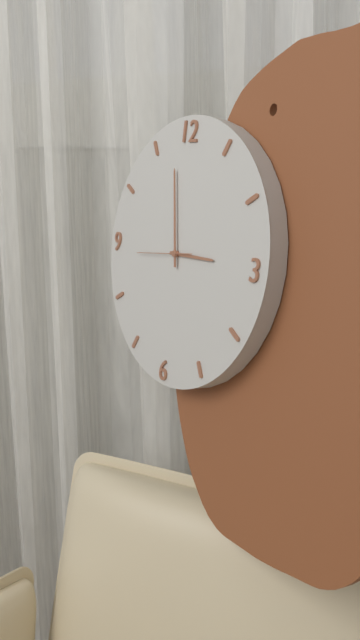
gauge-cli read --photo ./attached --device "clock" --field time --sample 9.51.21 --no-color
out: 2.58.44
